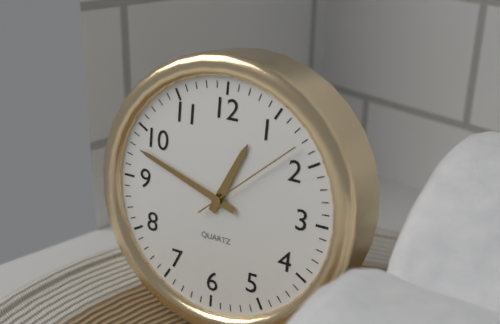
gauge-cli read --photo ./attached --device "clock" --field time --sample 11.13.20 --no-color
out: 12.48.08
